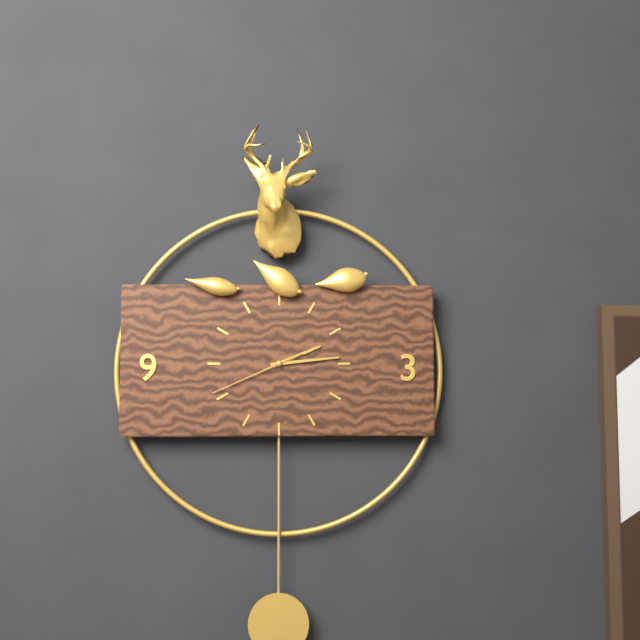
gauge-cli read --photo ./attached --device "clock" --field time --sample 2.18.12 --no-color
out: 2.14.41
